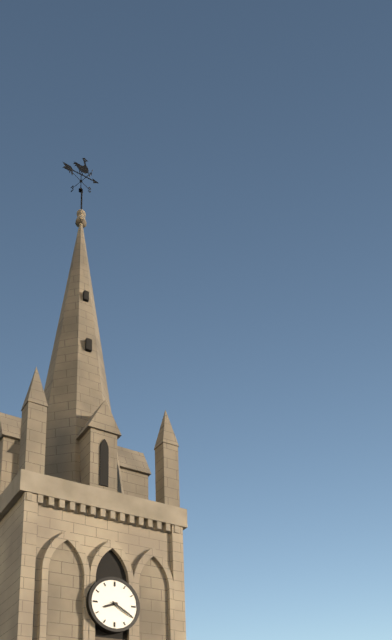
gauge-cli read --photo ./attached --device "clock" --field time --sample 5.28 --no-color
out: 8.20
